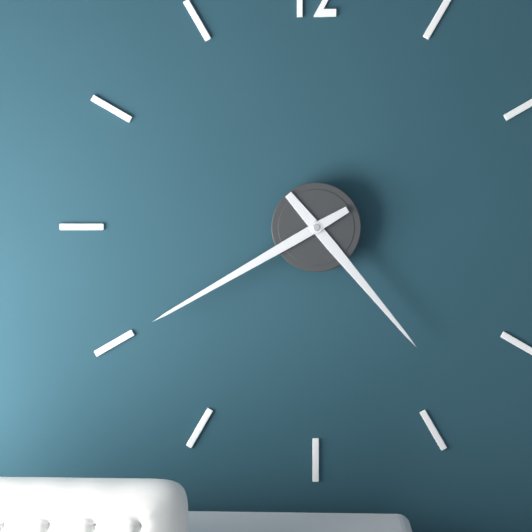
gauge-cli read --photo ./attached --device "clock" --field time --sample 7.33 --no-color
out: 4.40
